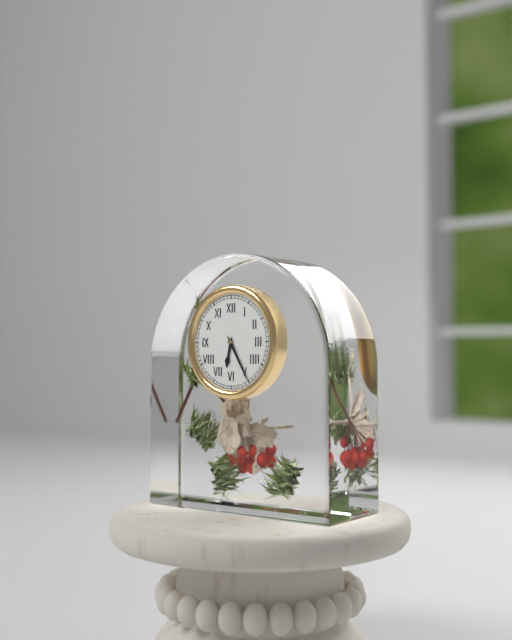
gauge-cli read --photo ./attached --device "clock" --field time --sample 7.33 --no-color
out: 6.25
